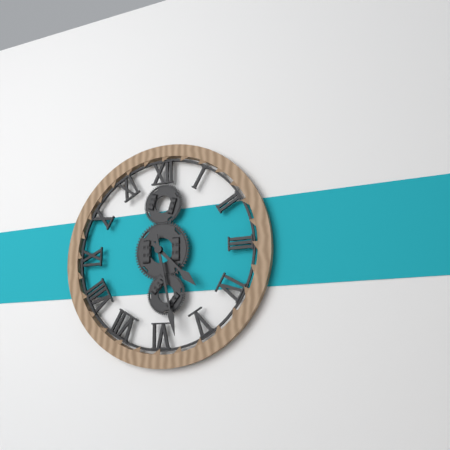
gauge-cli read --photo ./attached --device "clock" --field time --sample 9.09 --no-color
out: 4.28
